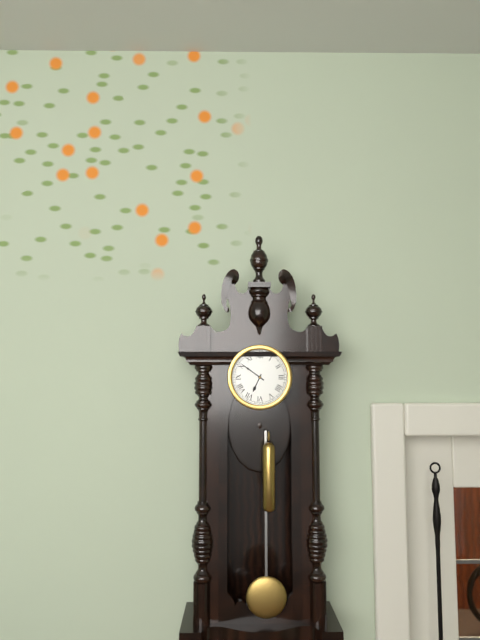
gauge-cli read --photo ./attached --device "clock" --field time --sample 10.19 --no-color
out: 6.51
